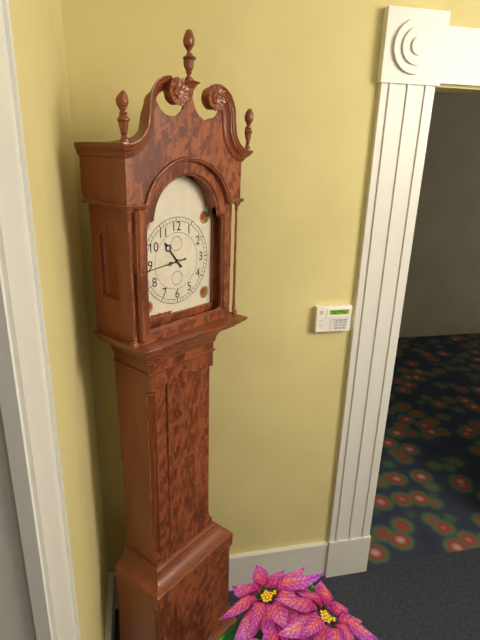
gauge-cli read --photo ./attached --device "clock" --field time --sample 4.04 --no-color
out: 10.44
